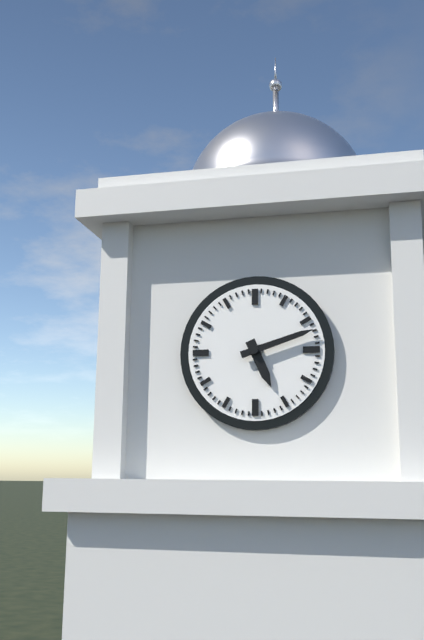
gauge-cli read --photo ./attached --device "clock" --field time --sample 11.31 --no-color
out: 5.12
